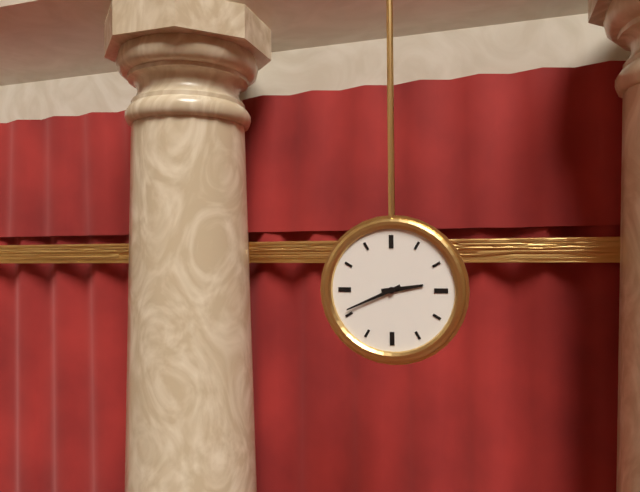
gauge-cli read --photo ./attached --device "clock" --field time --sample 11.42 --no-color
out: 2.41
